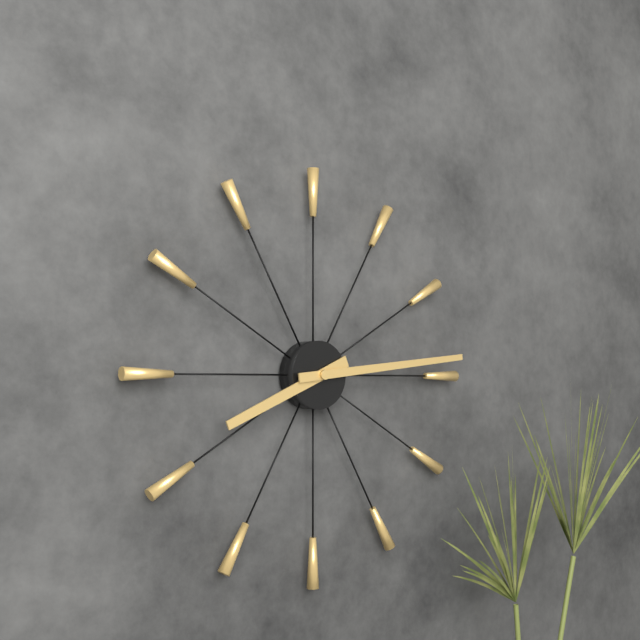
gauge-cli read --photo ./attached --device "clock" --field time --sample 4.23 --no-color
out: 8.14
